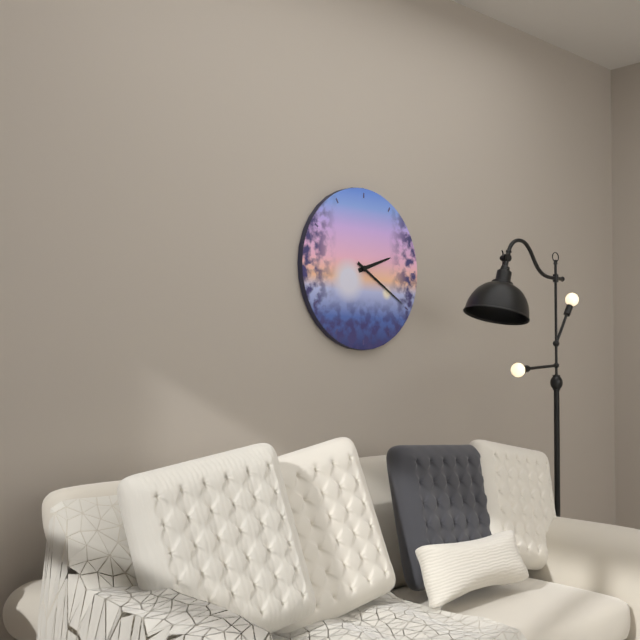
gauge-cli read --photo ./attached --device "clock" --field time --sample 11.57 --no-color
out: 2.20
